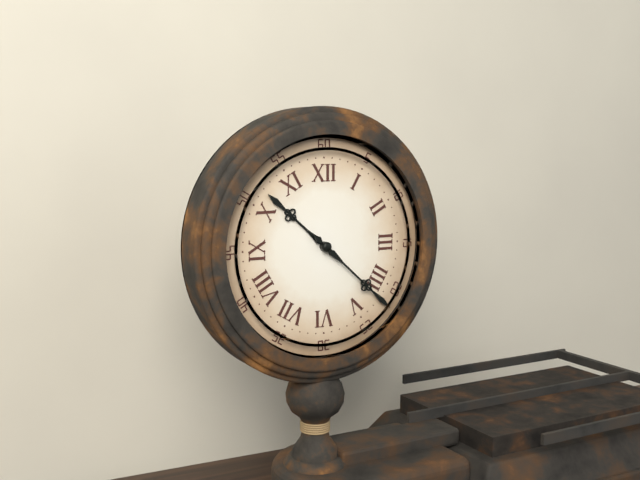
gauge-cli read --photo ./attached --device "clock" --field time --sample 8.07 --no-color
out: 10.22
